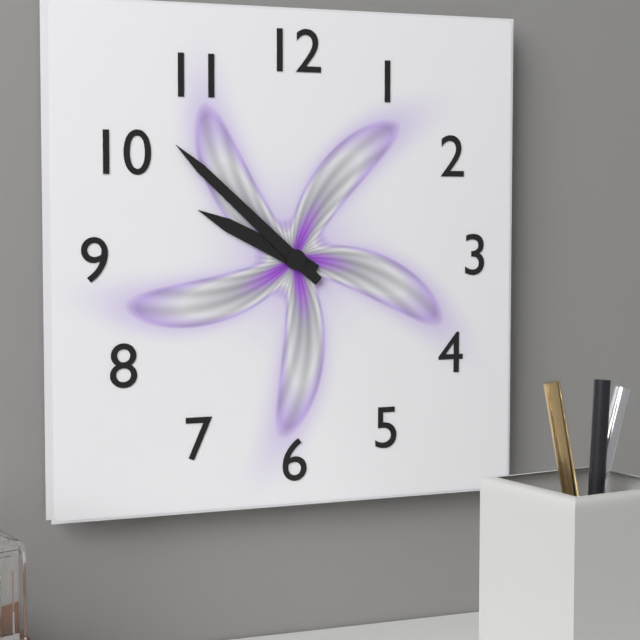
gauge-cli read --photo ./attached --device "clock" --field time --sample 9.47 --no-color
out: 9.52
